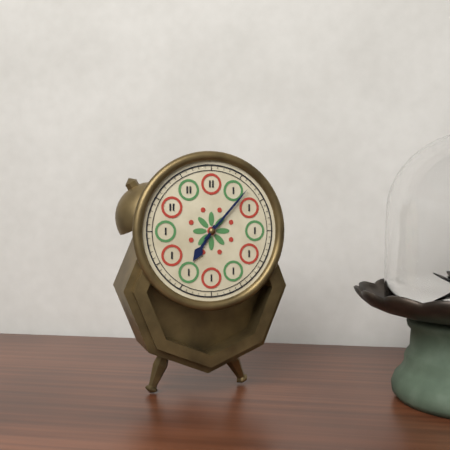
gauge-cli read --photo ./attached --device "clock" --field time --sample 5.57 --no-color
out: 7.07
